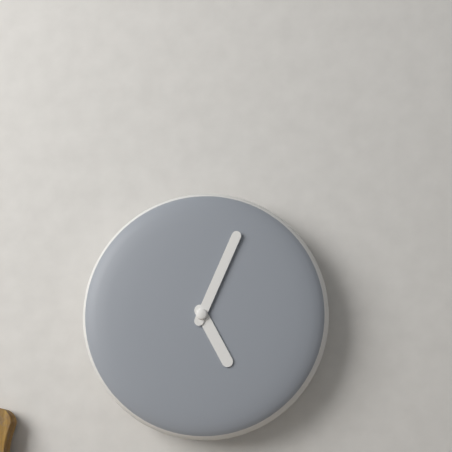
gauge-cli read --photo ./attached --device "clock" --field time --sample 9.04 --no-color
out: 5.04
